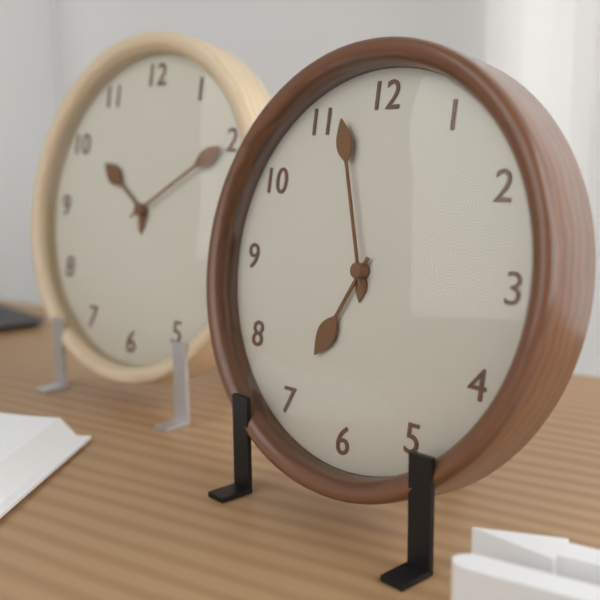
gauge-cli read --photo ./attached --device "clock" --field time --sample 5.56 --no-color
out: 6.57
